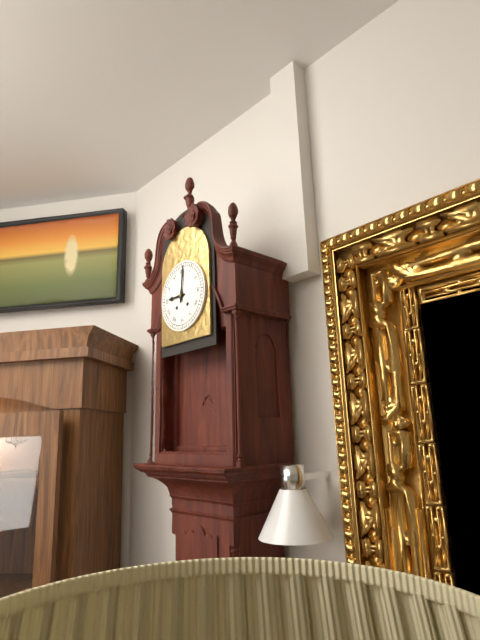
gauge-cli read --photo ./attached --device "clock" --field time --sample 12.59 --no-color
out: 9.01
